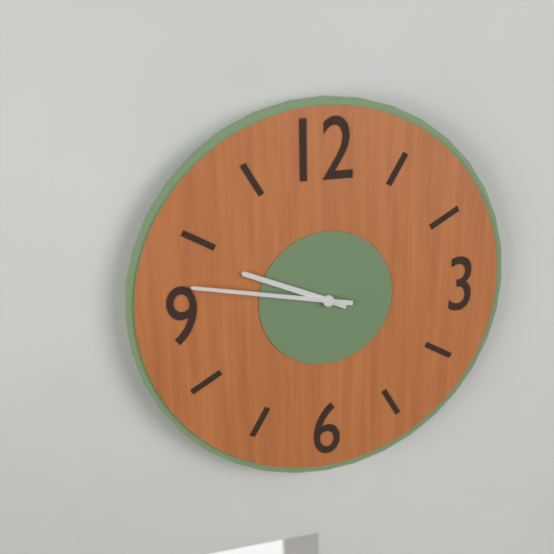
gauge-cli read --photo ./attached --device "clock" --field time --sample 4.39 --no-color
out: 9.47
